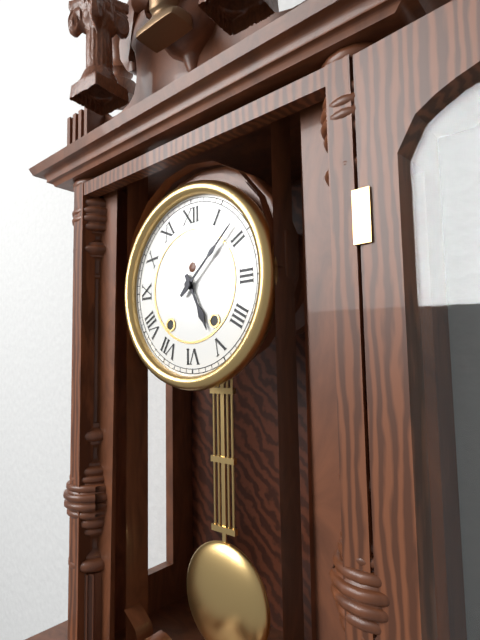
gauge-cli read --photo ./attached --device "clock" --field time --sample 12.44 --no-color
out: 5.08
